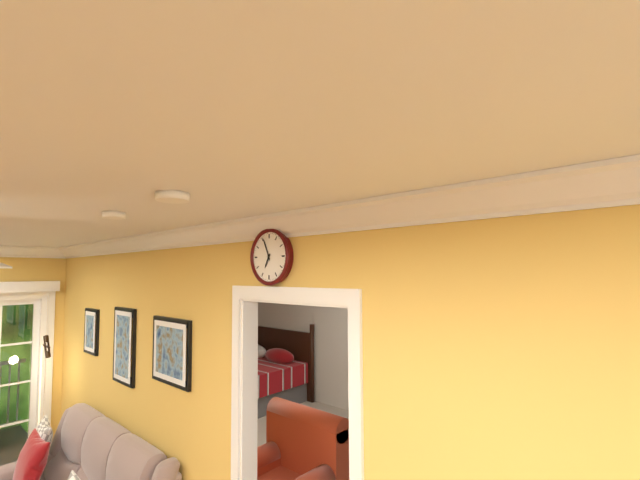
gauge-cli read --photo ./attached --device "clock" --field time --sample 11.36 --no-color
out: 6.56
